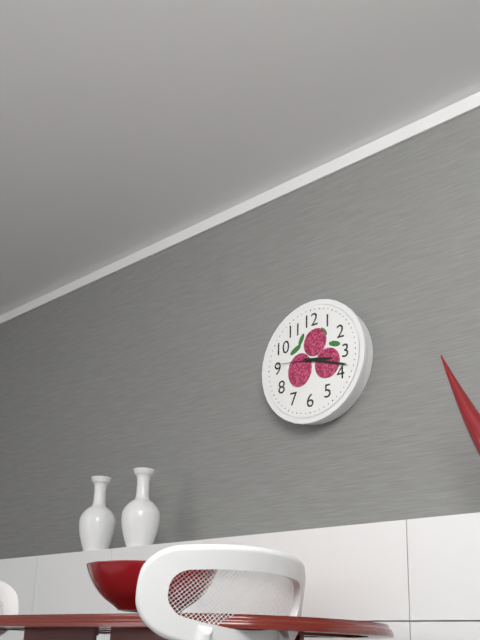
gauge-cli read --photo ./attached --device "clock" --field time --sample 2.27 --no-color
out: 3.18
